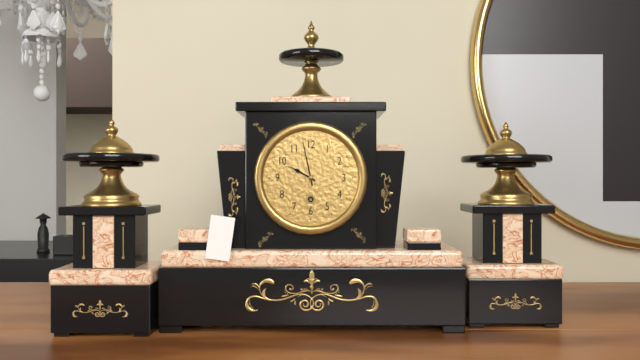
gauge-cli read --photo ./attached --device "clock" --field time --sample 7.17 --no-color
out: 9.58
